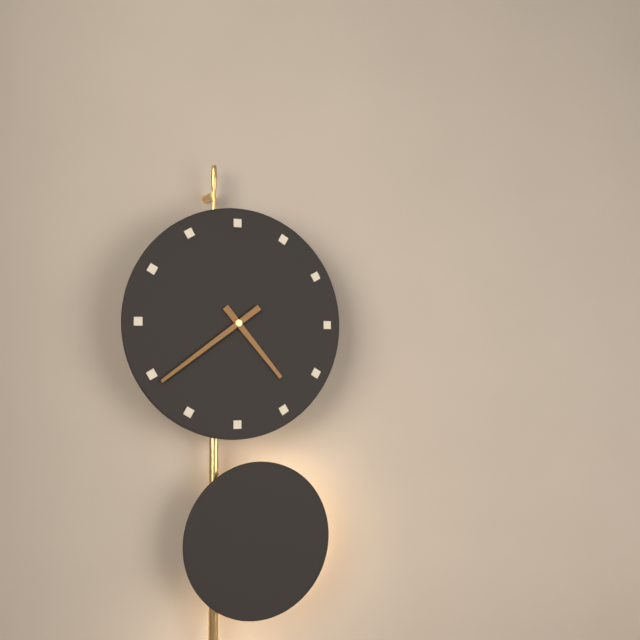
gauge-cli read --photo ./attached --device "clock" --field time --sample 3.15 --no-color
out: 4.39
